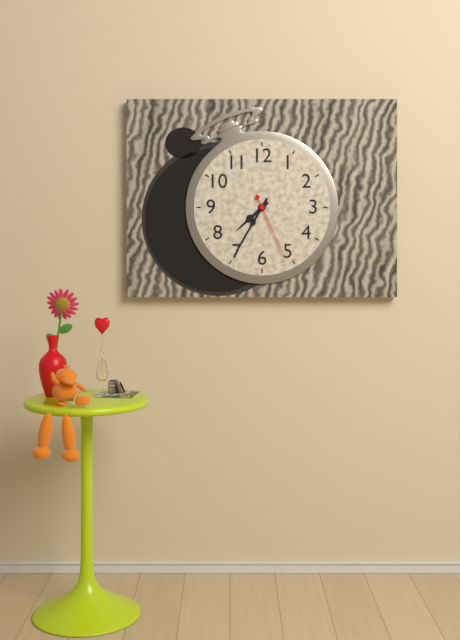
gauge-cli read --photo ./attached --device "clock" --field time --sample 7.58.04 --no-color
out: 7.35.26
